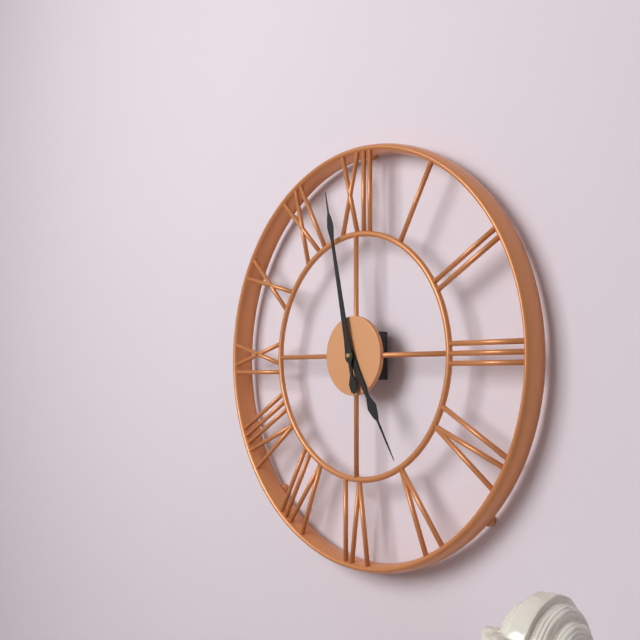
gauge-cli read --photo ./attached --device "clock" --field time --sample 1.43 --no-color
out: 4.58
